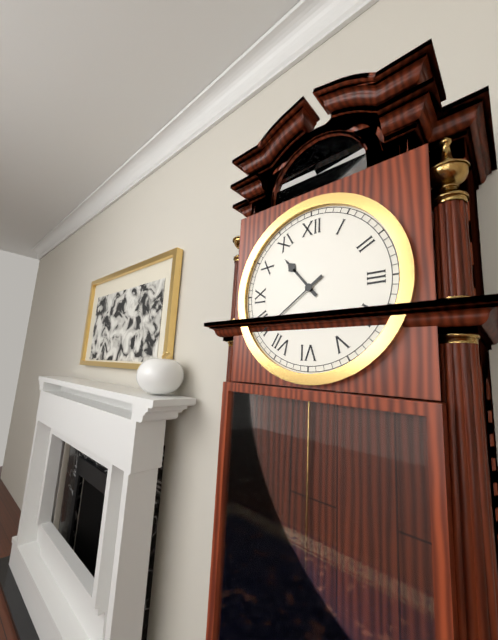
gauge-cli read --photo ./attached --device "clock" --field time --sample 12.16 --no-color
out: 10.39
